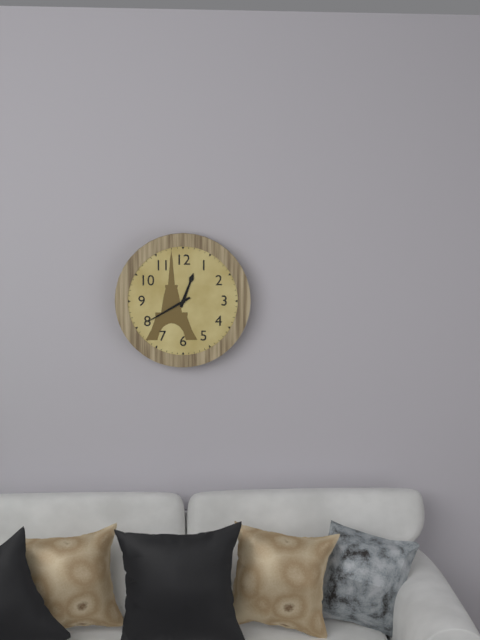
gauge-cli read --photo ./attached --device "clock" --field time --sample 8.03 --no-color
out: 12.40
